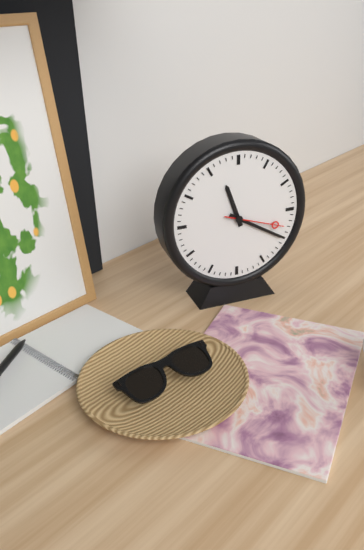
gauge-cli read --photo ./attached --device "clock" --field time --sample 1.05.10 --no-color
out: 11.20.18
